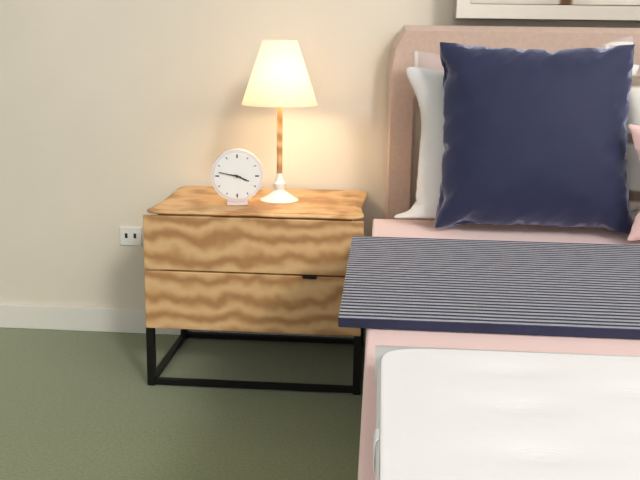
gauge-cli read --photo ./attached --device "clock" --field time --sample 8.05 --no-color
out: 3.47
